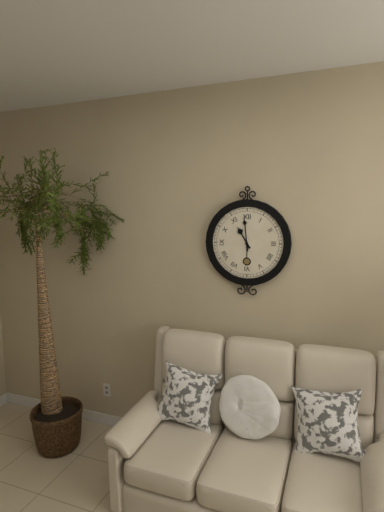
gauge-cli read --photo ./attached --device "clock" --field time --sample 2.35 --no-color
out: 10.59
